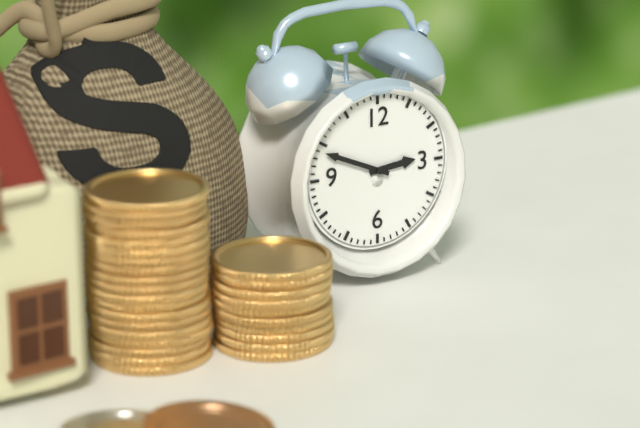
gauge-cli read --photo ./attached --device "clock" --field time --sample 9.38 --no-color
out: 2.49
